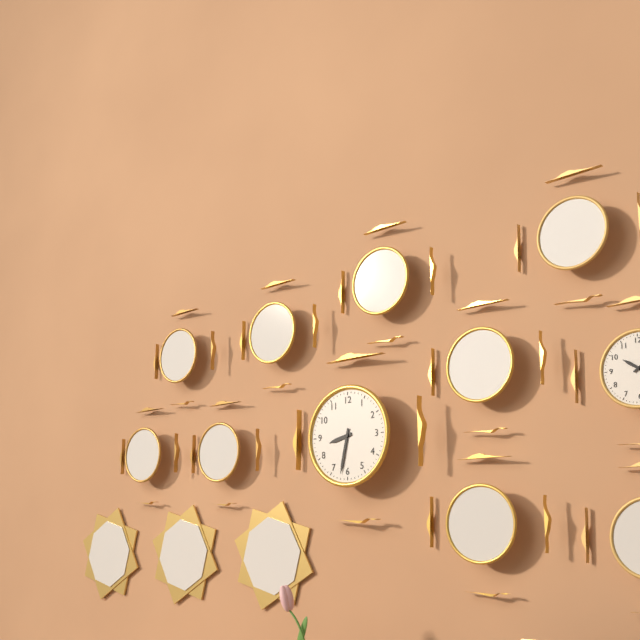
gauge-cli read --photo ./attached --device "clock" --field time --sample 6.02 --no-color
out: 8.32
